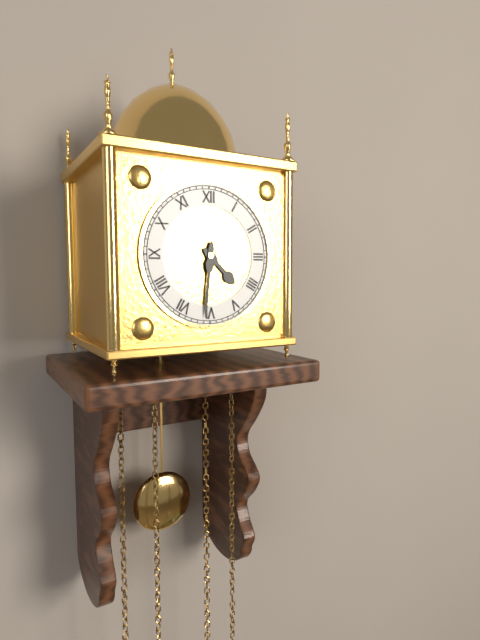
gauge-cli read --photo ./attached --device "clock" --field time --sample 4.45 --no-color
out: 4.31
